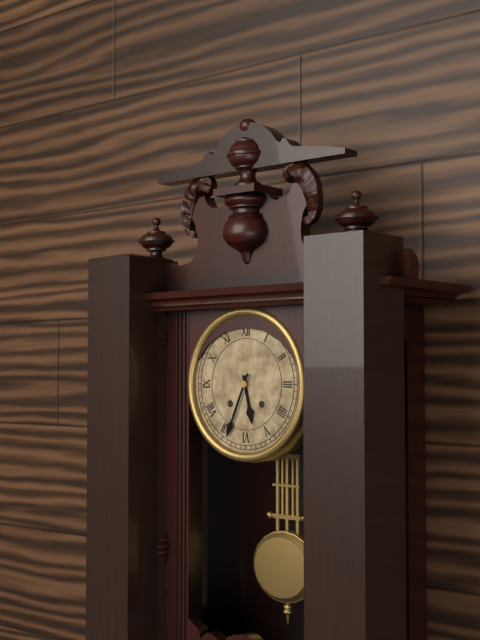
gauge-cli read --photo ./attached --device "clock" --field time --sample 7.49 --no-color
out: 5.34
